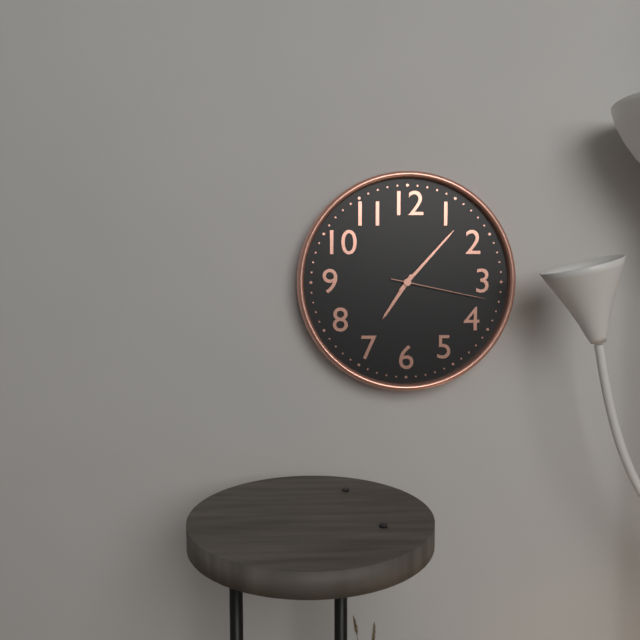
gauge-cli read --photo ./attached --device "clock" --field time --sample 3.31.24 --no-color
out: 7.07.17
